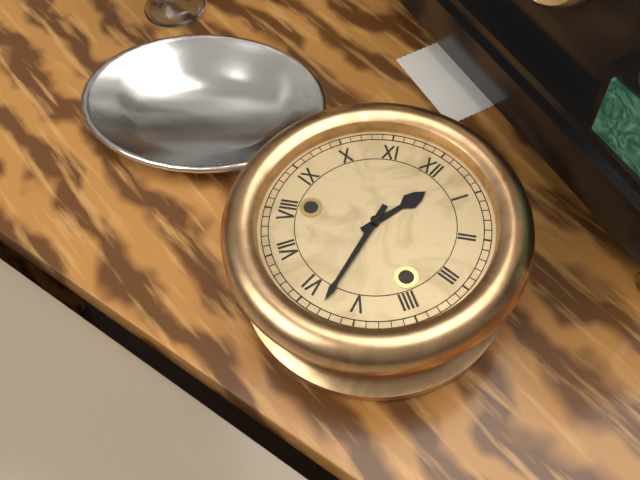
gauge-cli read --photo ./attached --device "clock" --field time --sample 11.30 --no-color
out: 12.28
